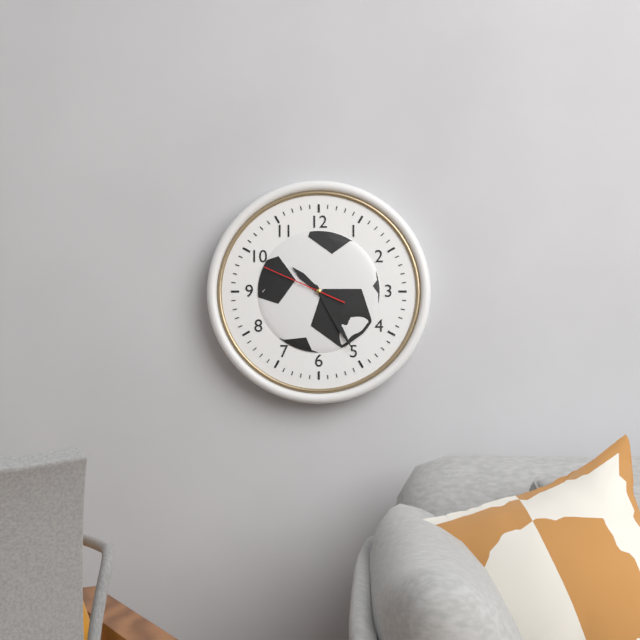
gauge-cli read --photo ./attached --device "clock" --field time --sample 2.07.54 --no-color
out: 10.25.49
